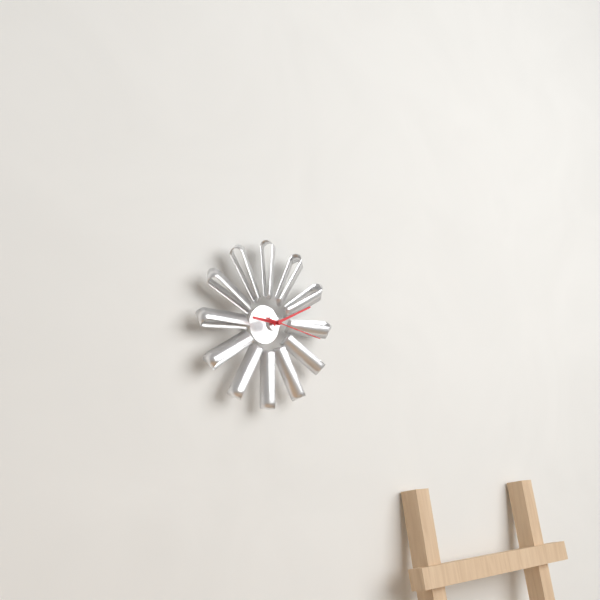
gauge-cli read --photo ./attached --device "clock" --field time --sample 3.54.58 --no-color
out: 9.11.17
